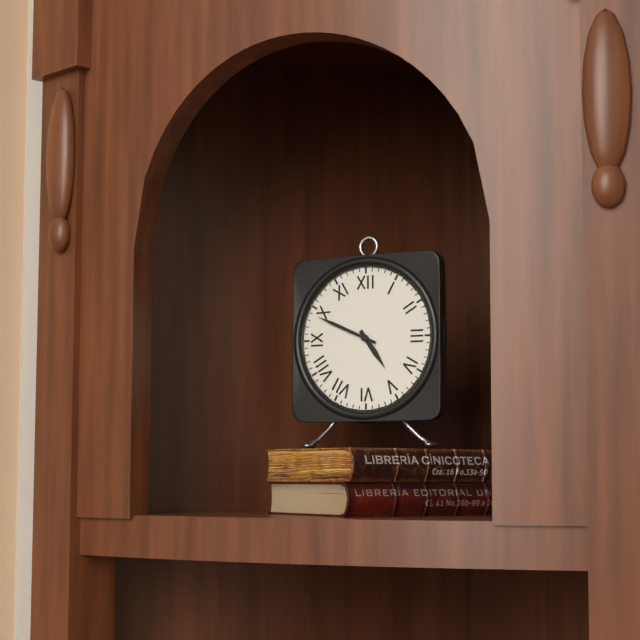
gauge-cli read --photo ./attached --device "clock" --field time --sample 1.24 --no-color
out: 4.49
